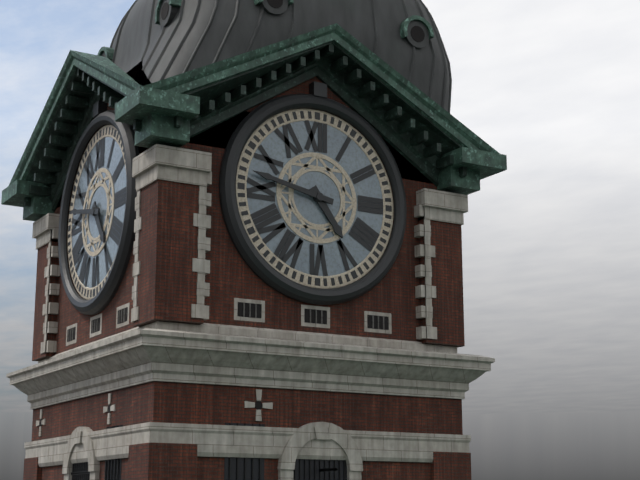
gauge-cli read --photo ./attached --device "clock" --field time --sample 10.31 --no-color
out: 4.47
